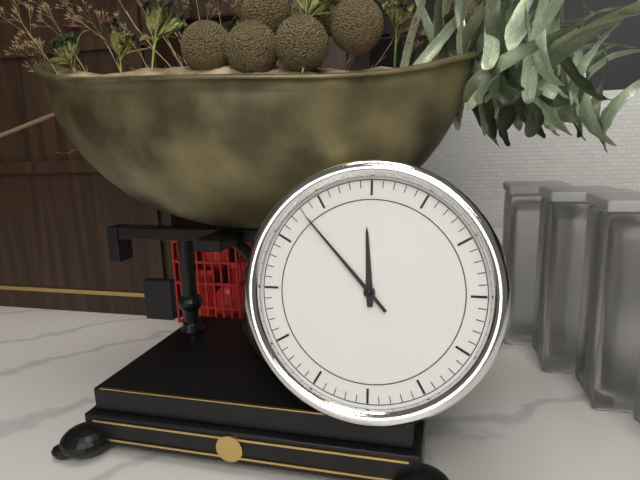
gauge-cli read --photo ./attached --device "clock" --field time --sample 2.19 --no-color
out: 11.53
